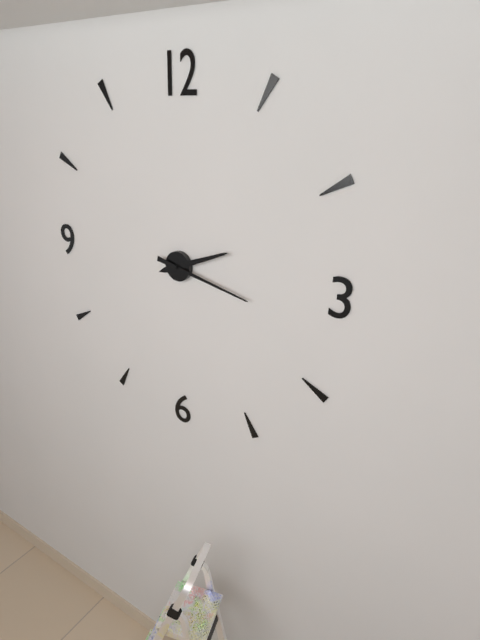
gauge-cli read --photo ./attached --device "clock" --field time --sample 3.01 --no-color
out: 2.17
